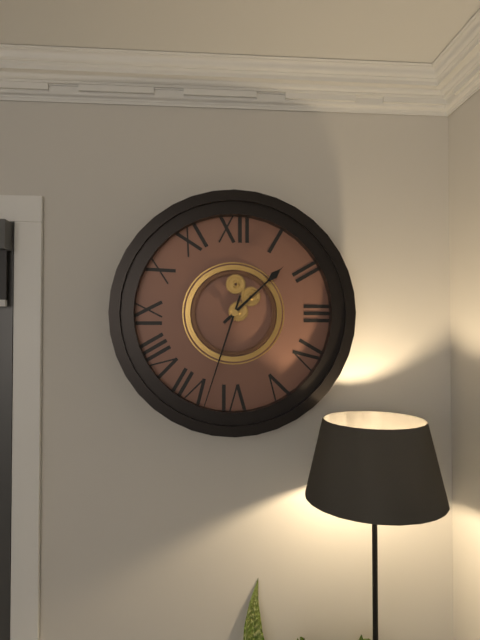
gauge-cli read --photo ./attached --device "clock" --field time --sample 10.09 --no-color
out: 1.33
